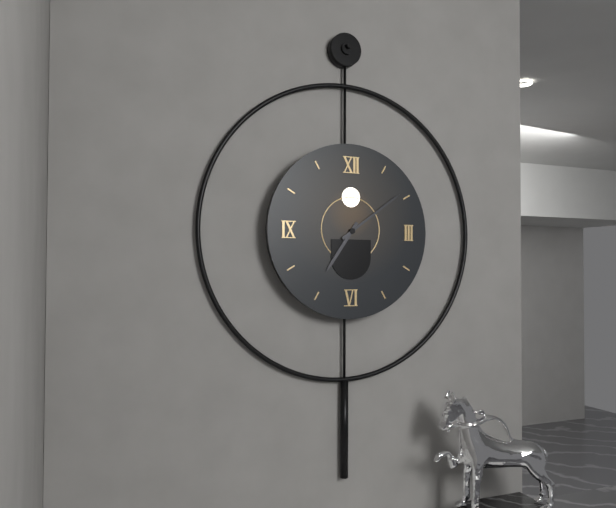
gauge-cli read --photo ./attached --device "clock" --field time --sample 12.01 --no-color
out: 7.09
